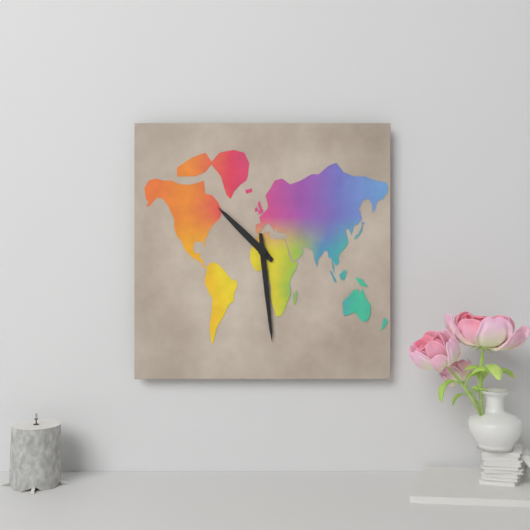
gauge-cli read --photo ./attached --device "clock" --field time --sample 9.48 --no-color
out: 10.29
